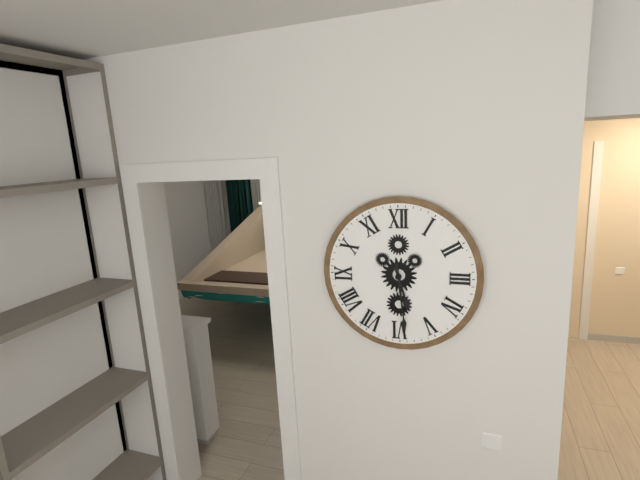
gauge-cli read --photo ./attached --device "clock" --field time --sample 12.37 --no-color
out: 5.29
